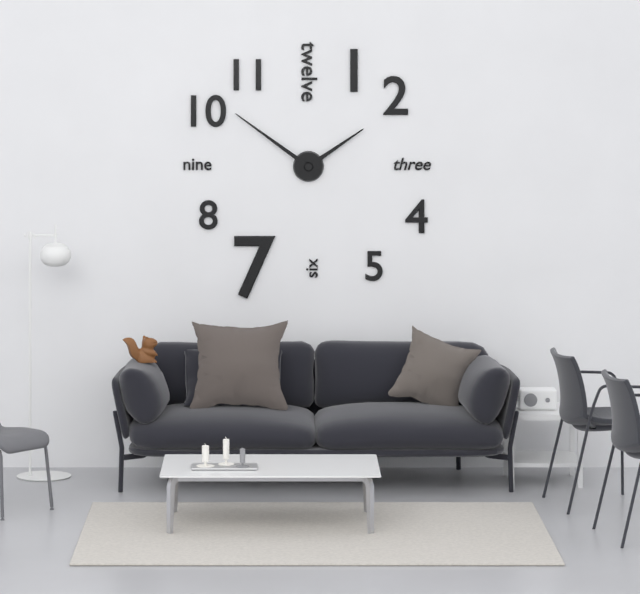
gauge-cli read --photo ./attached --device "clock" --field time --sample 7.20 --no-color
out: 1.51
